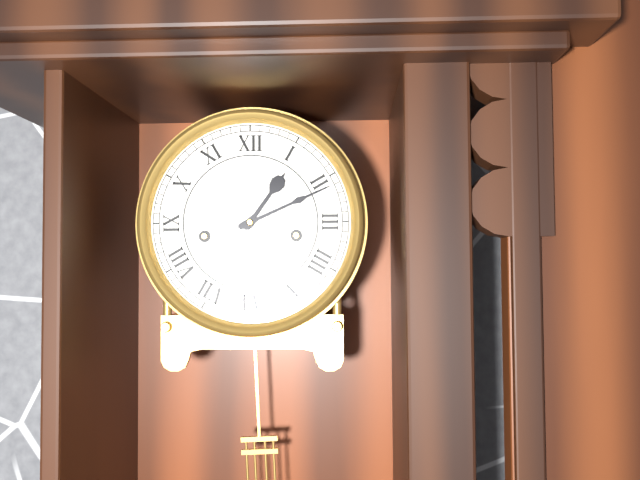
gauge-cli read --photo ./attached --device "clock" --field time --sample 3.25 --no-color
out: 1.11
